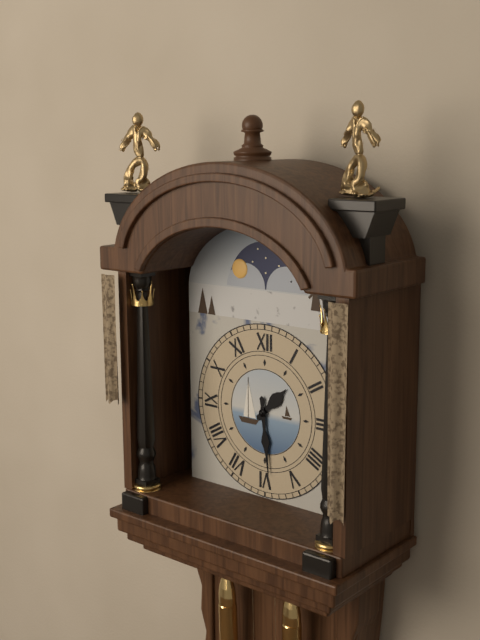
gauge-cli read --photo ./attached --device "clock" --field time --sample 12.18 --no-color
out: 1.29
